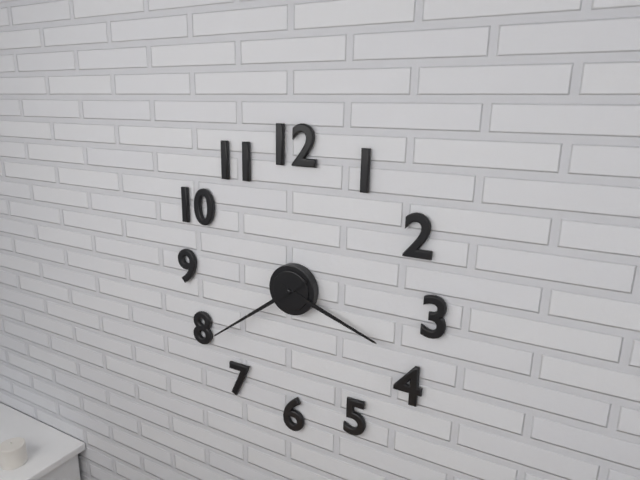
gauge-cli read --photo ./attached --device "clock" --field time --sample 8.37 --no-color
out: 3.39
